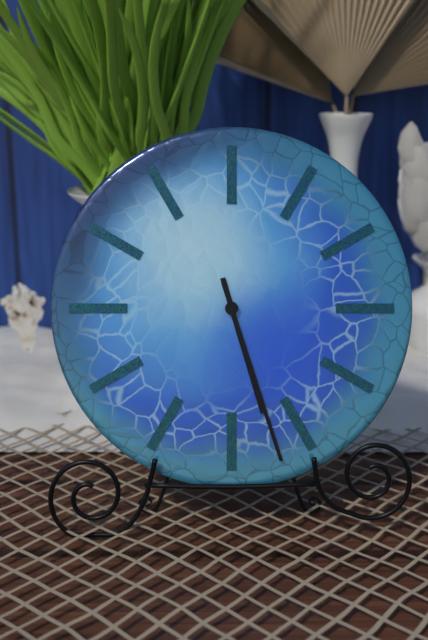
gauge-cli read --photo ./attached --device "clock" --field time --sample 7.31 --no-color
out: 5.27
